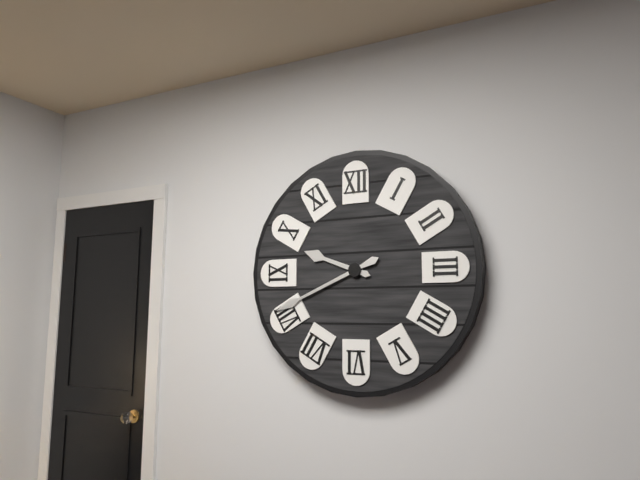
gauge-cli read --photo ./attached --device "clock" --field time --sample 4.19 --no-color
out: 9.41
